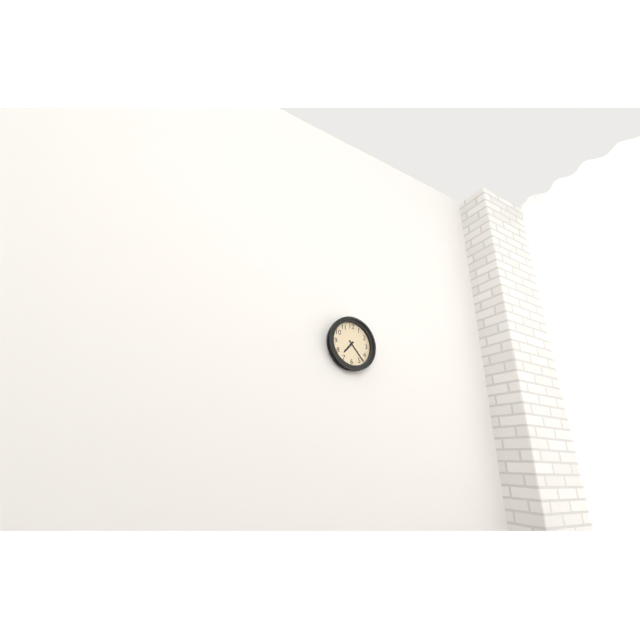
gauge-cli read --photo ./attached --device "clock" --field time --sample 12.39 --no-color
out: 7.23
